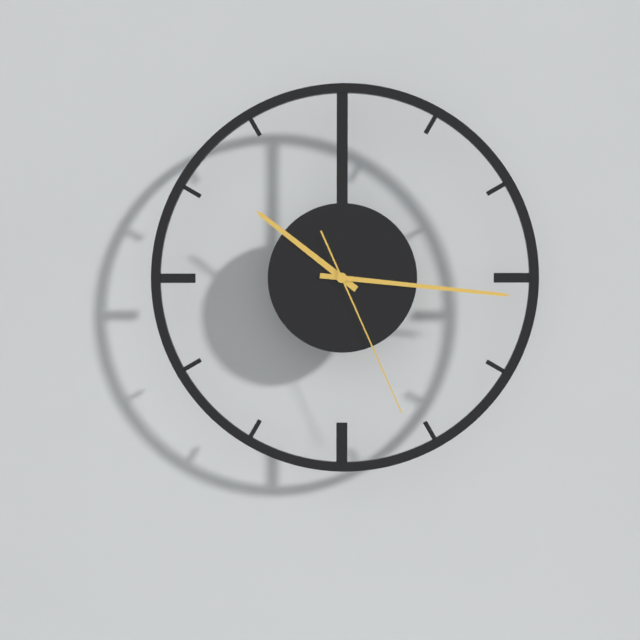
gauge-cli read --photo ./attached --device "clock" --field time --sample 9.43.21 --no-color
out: 10.16.26
